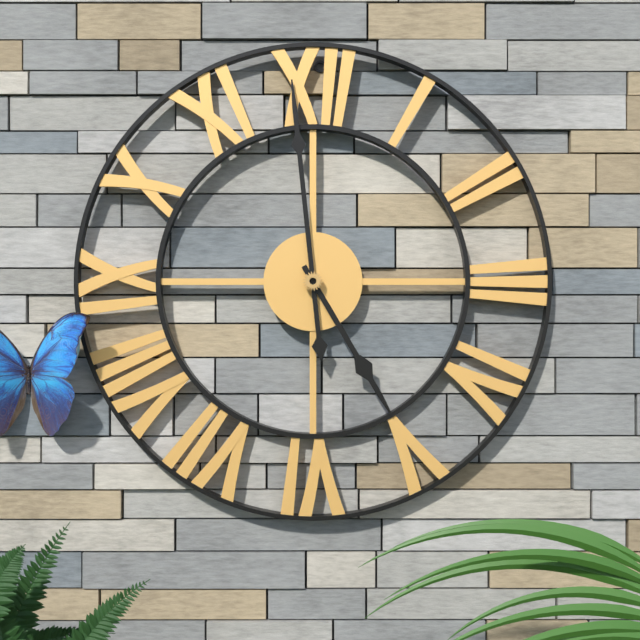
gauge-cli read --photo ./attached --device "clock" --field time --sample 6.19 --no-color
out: 4.59
